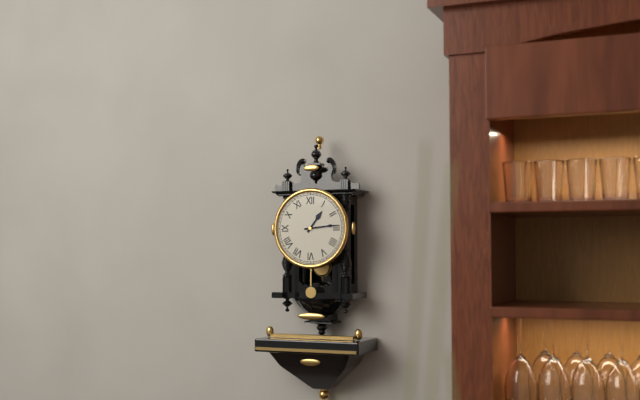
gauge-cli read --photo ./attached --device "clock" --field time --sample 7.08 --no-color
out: 1.14
